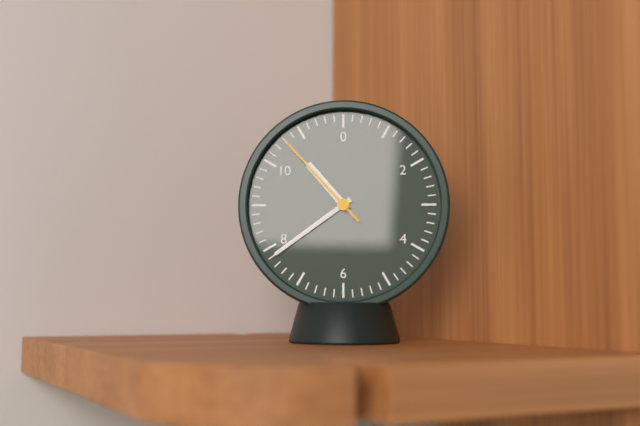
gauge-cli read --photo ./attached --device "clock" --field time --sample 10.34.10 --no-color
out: 10.39.53
